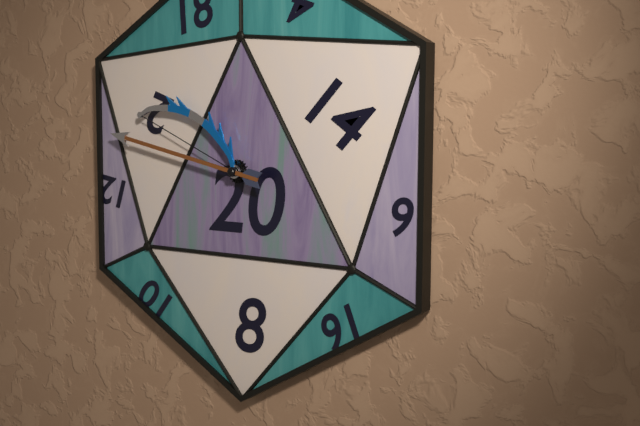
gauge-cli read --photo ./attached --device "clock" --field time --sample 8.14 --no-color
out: 9.47
